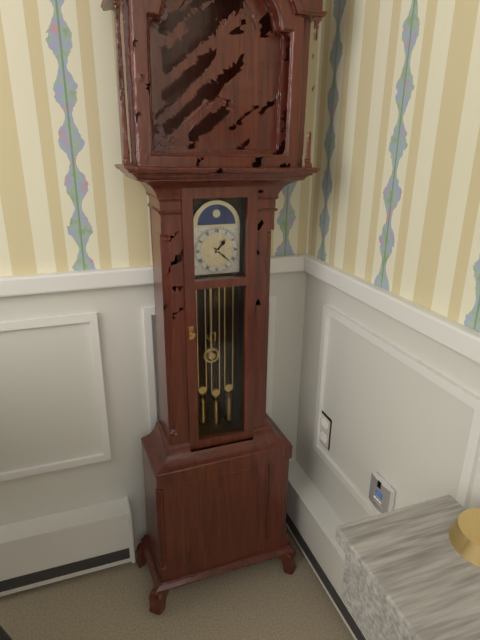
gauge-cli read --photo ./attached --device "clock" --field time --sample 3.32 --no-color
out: 1.22
